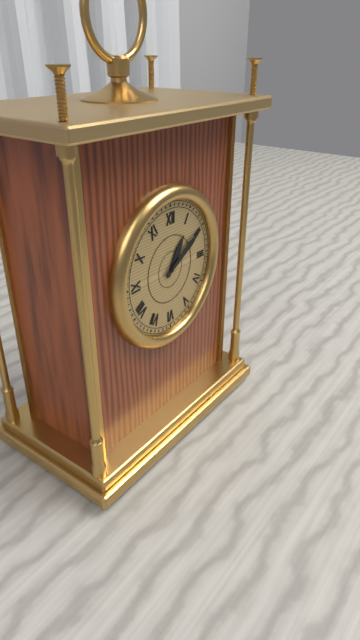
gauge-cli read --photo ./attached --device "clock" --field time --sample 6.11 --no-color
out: 1.10
